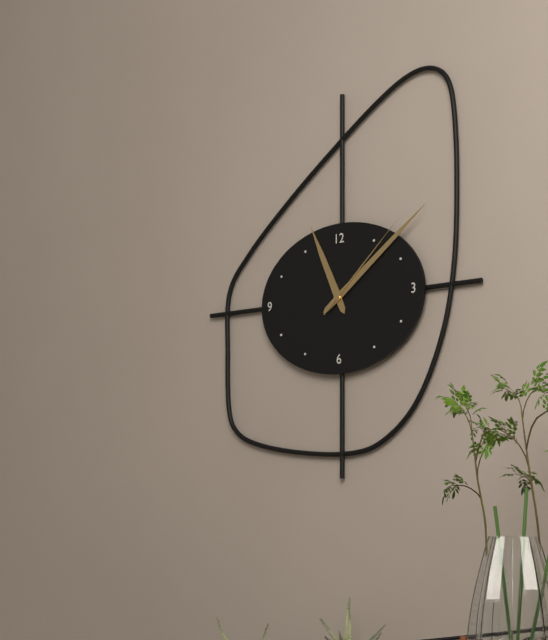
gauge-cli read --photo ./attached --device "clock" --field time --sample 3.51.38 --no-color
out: 11.09.08
